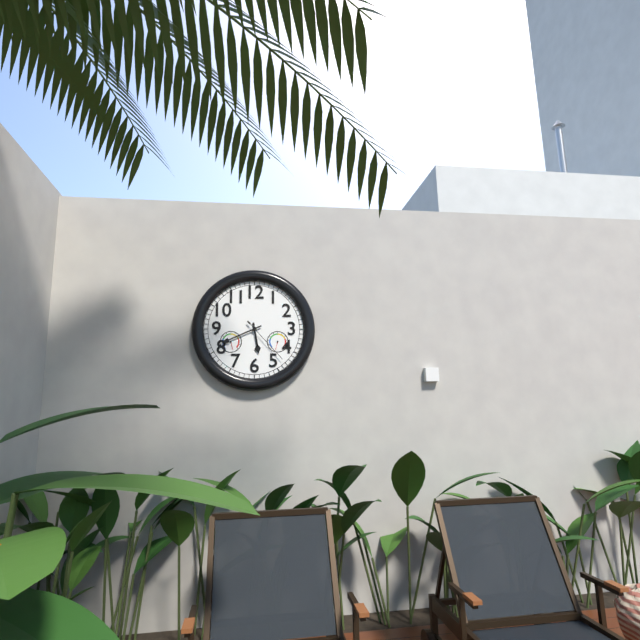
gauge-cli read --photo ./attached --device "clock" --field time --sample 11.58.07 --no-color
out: 5.41.23
